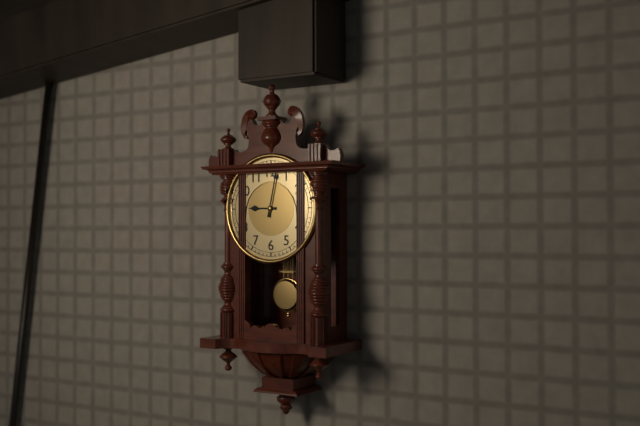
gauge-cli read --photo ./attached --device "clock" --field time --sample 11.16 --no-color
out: 9.02
